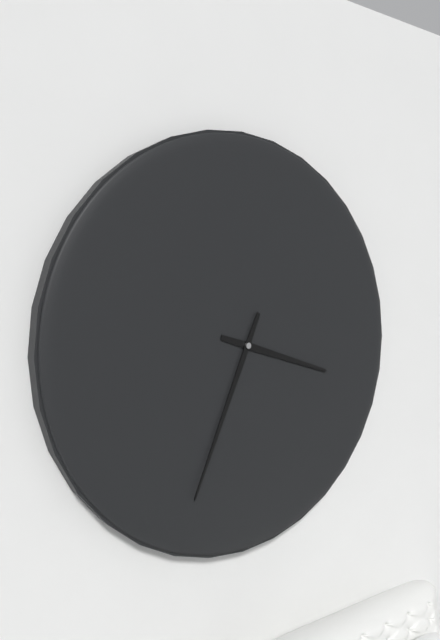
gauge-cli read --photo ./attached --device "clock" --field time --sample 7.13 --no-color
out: 3.34
